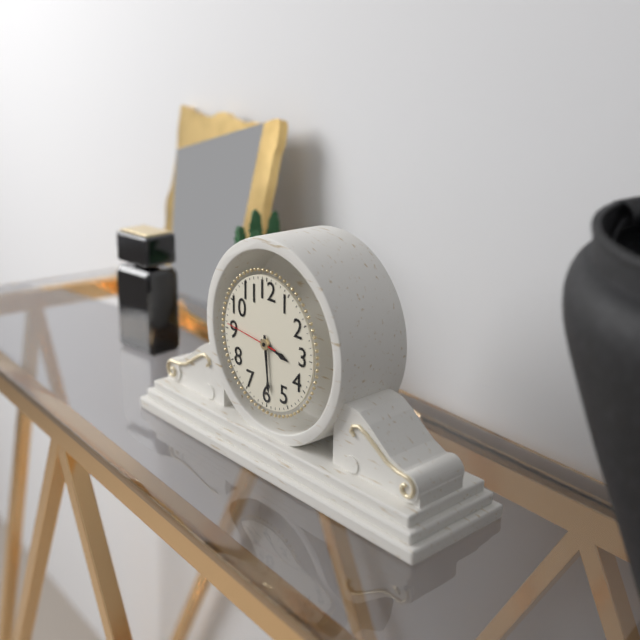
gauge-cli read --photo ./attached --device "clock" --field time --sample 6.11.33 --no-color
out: 3.29.46
